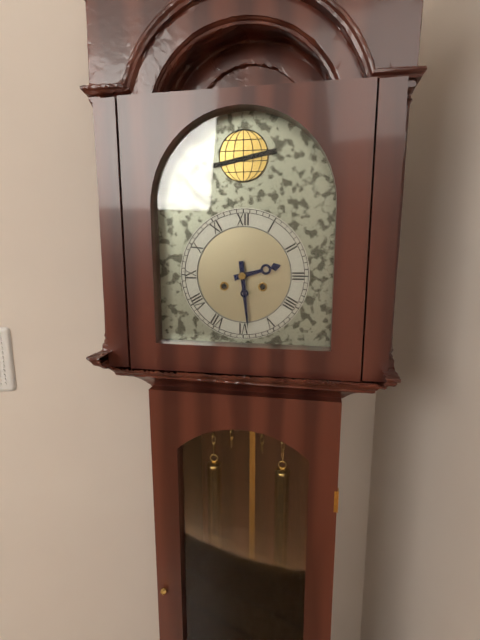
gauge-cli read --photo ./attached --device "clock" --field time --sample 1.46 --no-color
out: 2.29
